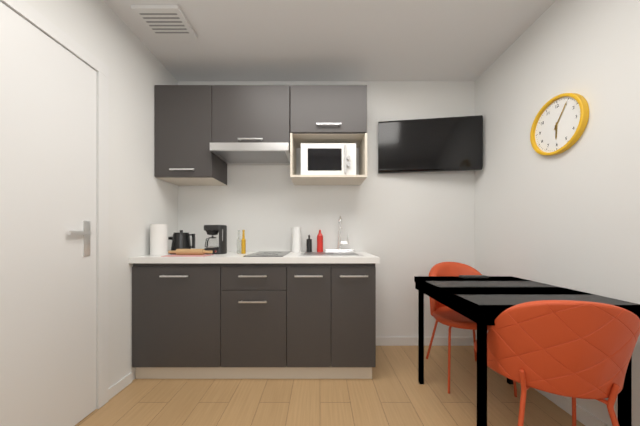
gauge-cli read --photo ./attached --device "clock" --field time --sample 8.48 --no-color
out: 6.05
